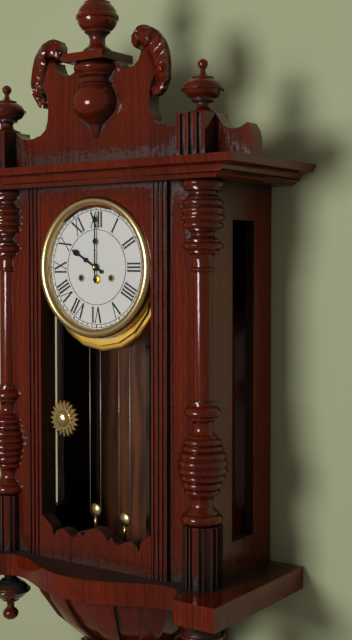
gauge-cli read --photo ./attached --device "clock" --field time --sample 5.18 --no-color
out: 10.00
